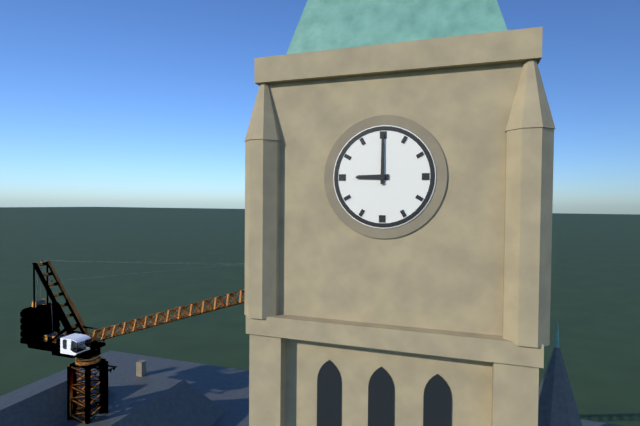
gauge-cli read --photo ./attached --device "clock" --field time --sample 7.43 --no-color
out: 9.00
